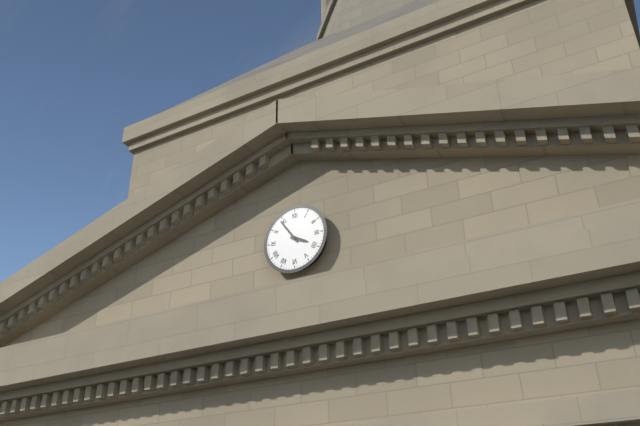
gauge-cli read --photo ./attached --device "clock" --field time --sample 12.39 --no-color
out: 3.54
